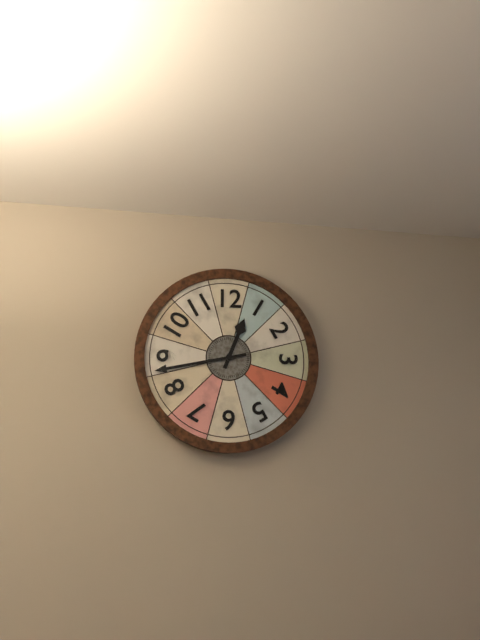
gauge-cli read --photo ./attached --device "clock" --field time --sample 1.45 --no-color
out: 12.43
